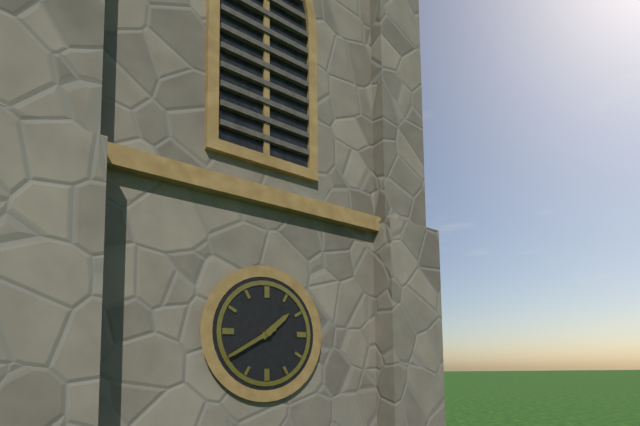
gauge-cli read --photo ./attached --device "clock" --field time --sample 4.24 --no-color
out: 1.40
